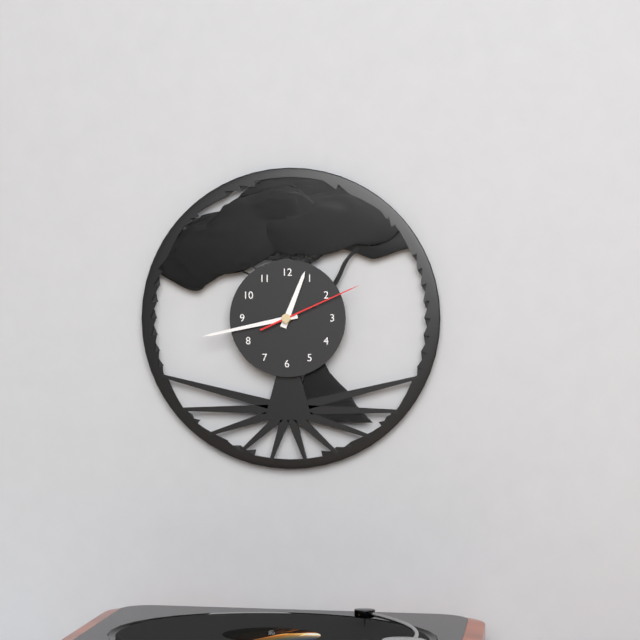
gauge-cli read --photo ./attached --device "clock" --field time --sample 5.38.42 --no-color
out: 12.43.11
